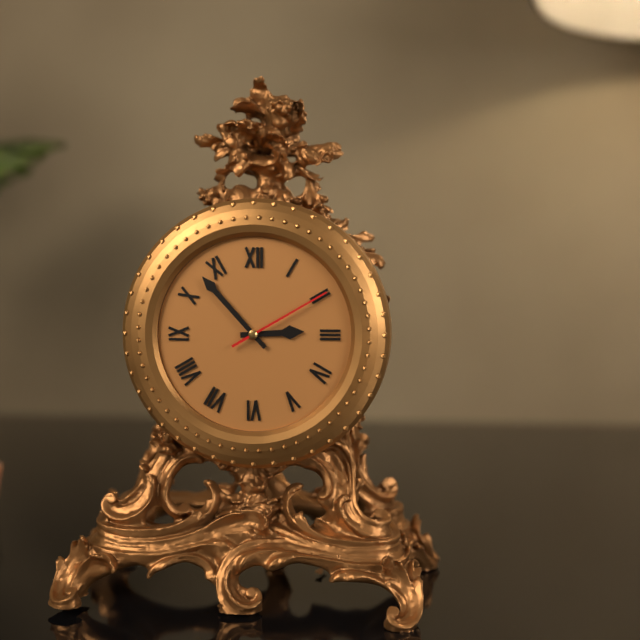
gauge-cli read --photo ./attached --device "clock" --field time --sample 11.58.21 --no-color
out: 2.53.10
